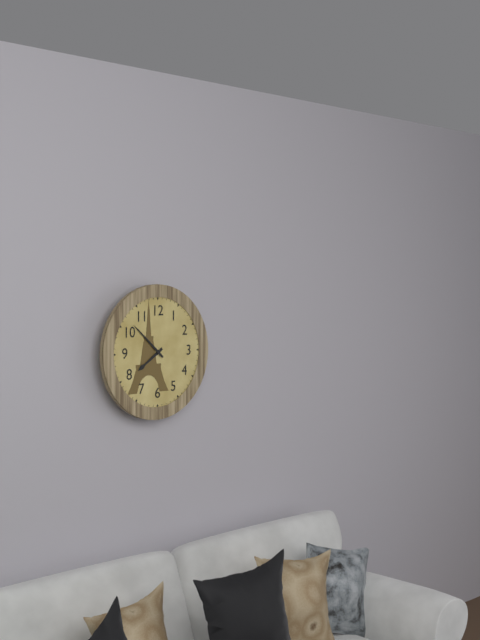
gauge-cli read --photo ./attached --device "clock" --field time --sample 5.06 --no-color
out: 7.52
